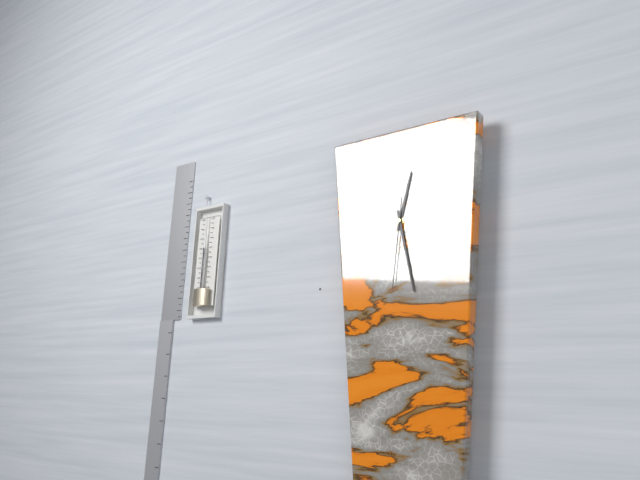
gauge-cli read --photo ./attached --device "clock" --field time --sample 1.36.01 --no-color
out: 12.28.31
